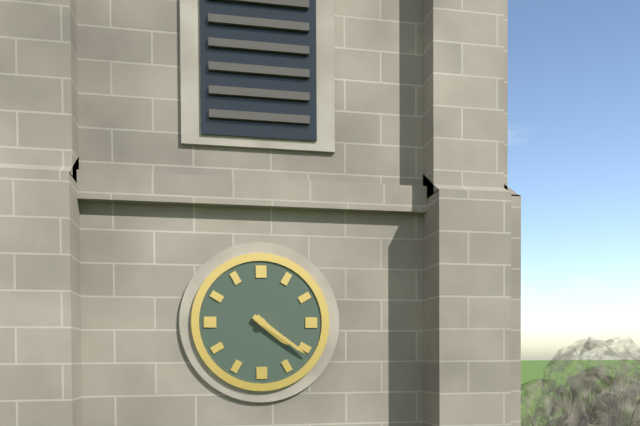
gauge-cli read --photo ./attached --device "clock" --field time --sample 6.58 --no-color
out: 4.21
